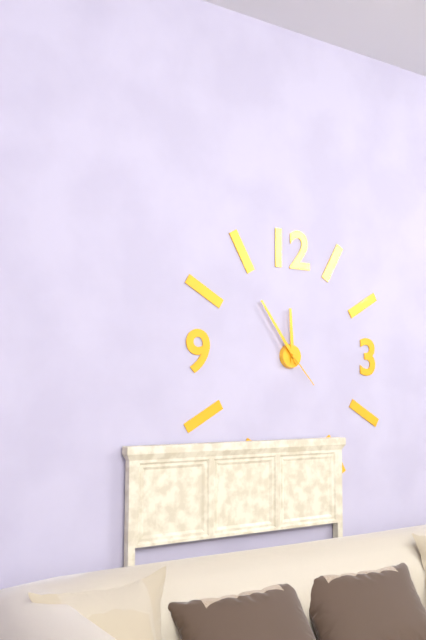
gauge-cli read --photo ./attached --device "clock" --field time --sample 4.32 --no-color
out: 11.54
